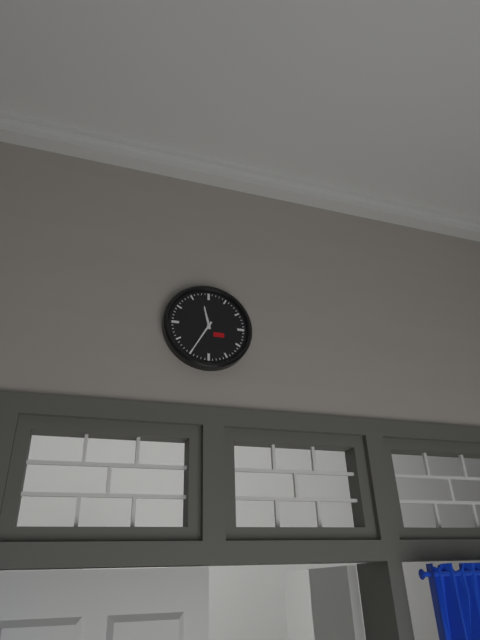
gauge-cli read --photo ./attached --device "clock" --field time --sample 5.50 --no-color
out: 11.35
